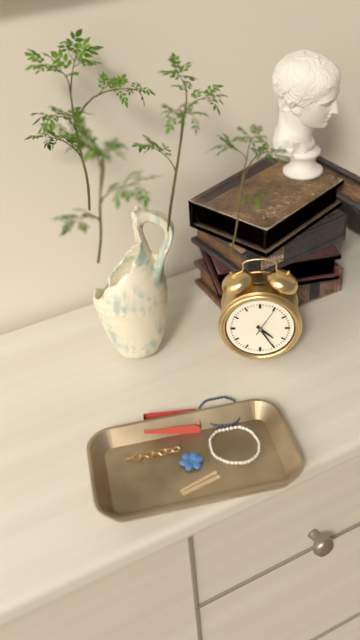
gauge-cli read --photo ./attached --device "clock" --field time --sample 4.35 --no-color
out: 4.25
